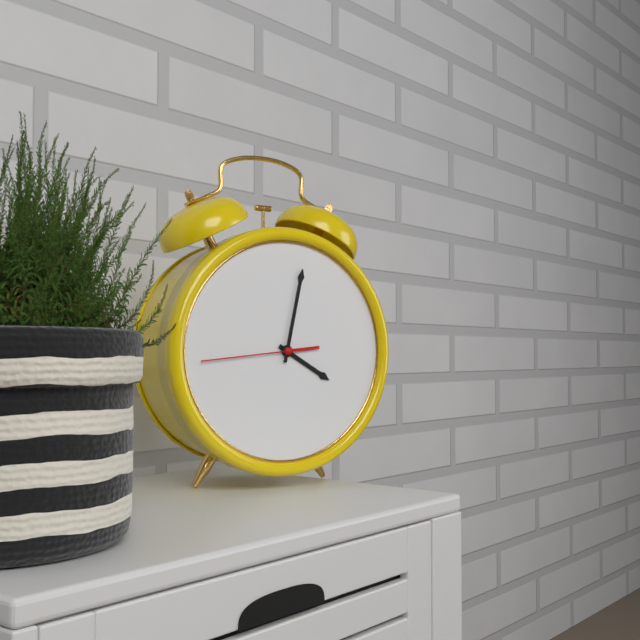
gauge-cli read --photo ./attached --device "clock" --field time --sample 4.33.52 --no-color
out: 4.02.44
